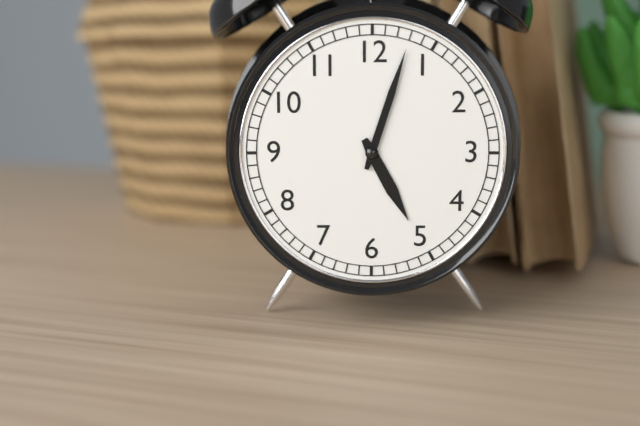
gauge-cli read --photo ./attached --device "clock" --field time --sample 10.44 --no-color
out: 5.03
